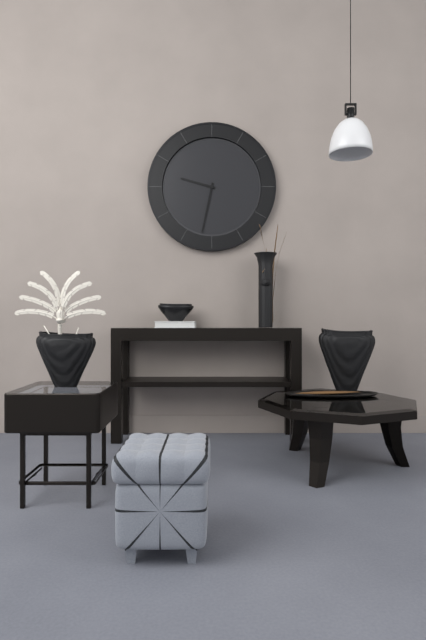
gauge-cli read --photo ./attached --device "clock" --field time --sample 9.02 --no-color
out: 9.32
